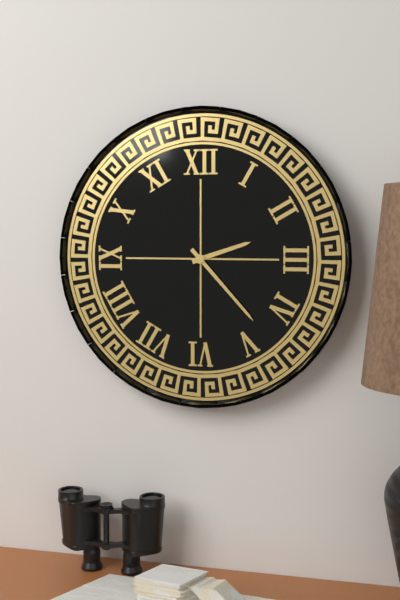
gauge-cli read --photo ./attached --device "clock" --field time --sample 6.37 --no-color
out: 2.23
